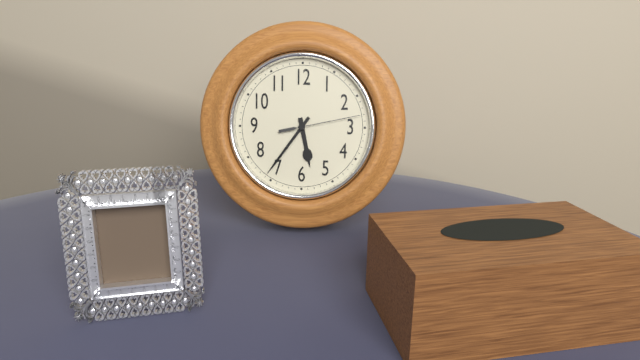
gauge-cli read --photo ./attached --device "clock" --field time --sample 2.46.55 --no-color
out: 5.36.13
